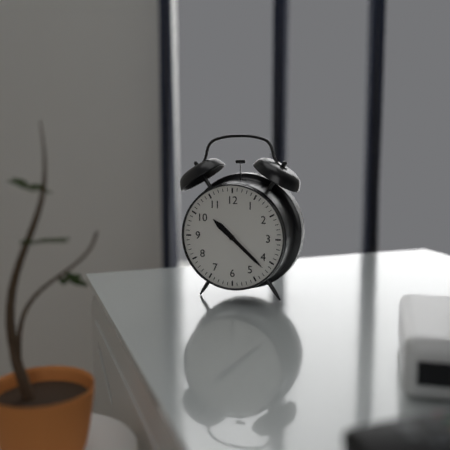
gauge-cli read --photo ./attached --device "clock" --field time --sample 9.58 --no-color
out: 10.22
